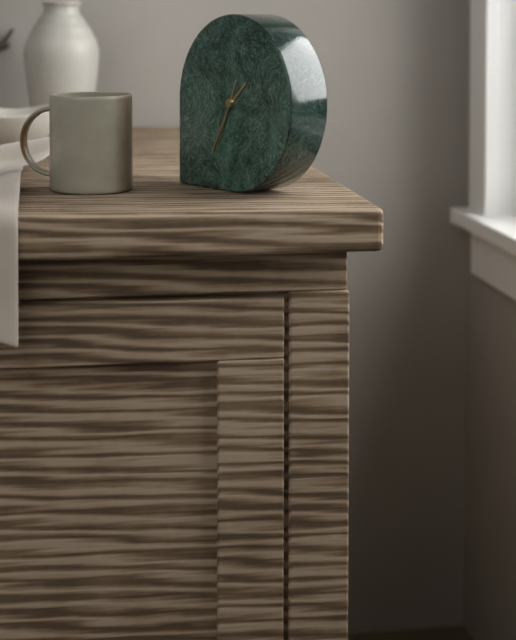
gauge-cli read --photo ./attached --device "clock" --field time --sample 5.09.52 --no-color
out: 1.35.34
